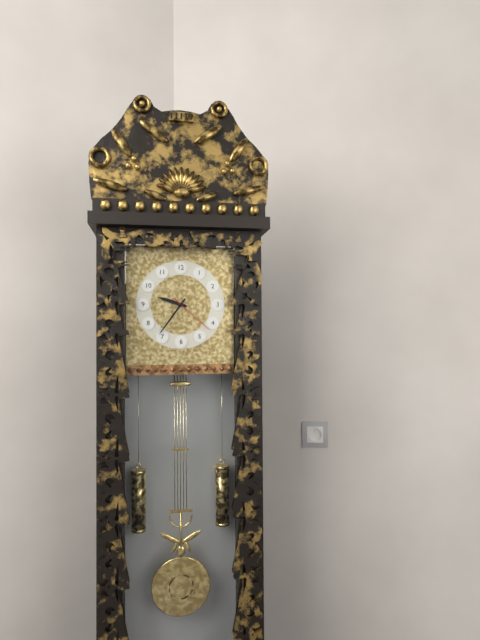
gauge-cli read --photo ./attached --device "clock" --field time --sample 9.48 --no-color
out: 9.36
